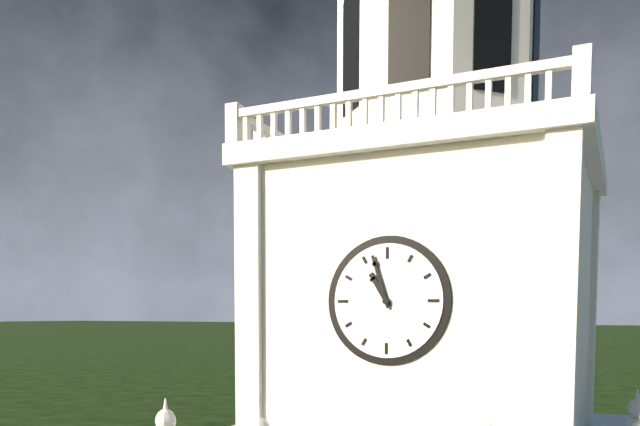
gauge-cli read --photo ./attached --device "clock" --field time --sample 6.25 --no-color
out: 10.57
